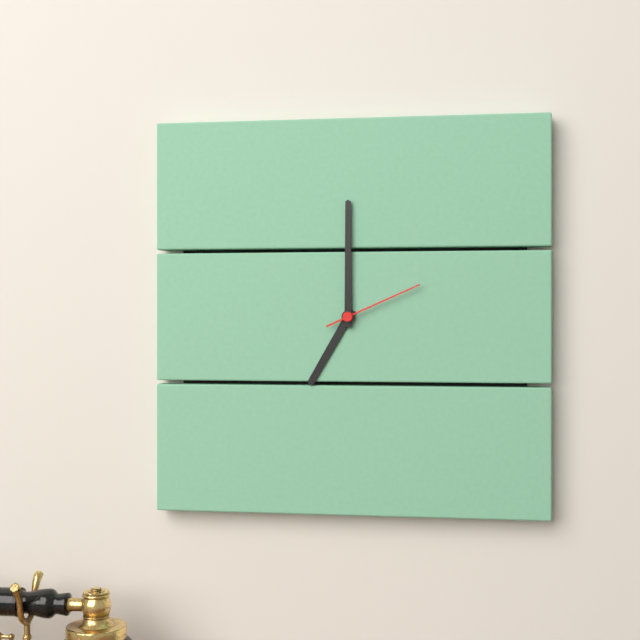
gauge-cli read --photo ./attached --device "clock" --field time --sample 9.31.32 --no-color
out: 7.00.11
